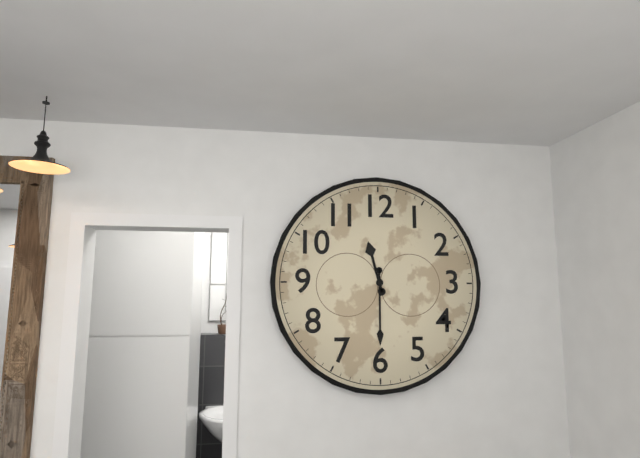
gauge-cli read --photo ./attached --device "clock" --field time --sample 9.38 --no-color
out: 11.30
